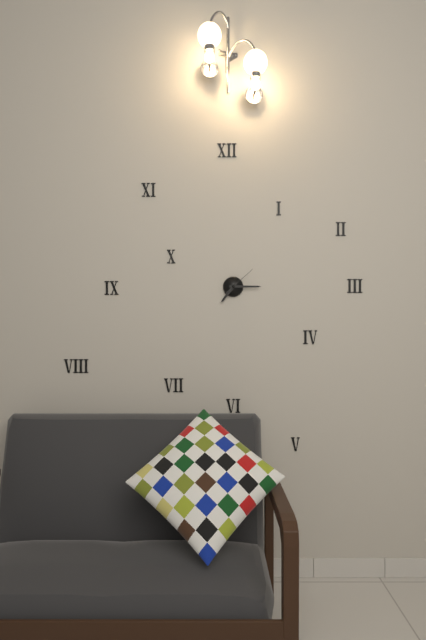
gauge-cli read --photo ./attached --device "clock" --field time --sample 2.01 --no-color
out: 7.15
